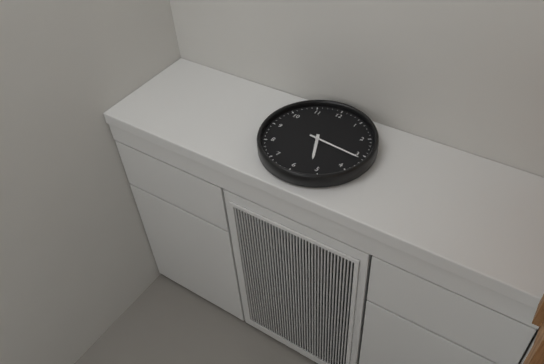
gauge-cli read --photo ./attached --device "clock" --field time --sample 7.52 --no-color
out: 5.16
